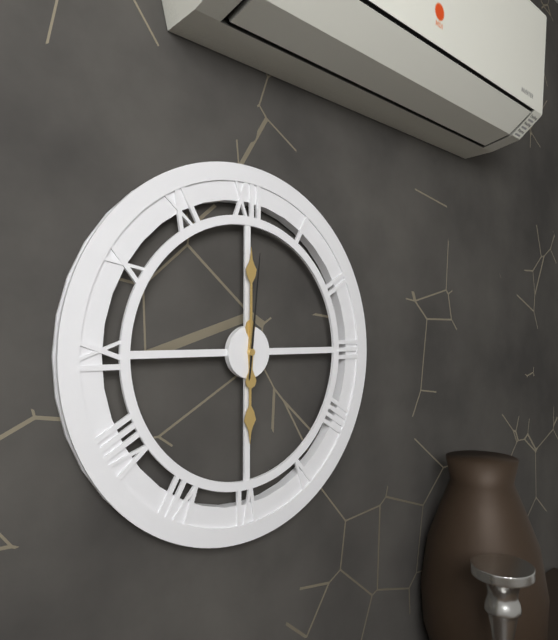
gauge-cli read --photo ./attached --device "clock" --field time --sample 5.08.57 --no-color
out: 6.00.01
